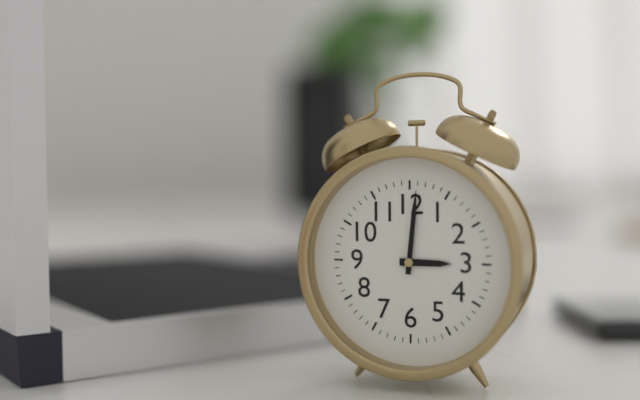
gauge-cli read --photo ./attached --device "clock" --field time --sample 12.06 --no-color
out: 3.01
